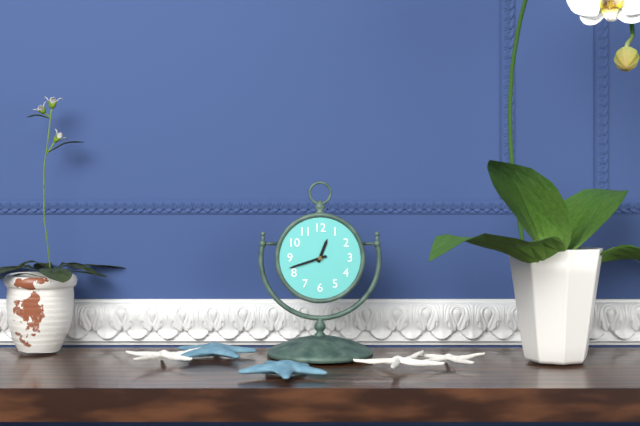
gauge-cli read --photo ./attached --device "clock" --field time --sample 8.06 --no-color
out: 12.42
